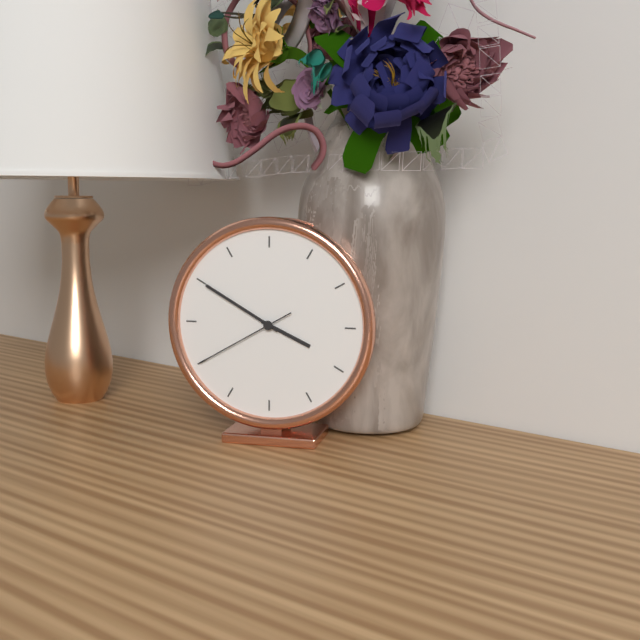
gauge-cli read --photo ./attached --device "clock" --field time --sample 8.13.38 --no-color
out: 3.50.40
